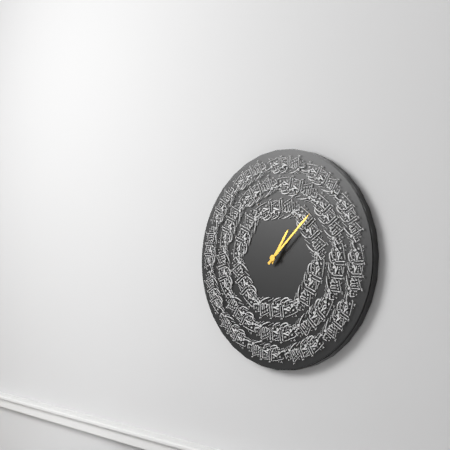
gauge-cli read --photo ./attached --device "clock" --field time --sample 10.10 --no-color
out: 1.08
